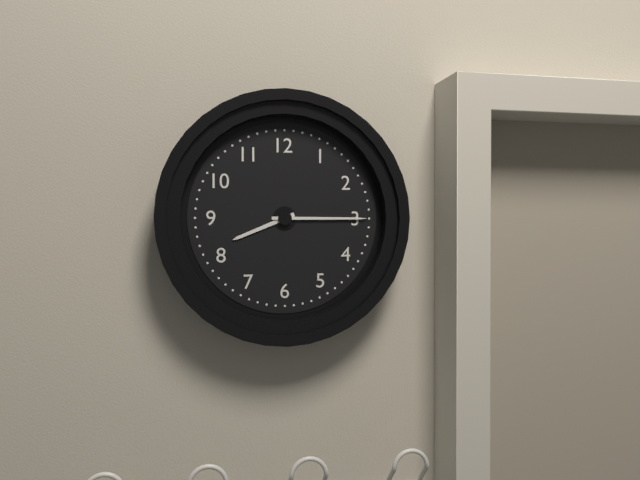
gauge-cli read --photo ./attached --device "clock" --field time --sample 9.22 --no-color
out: 8.15
